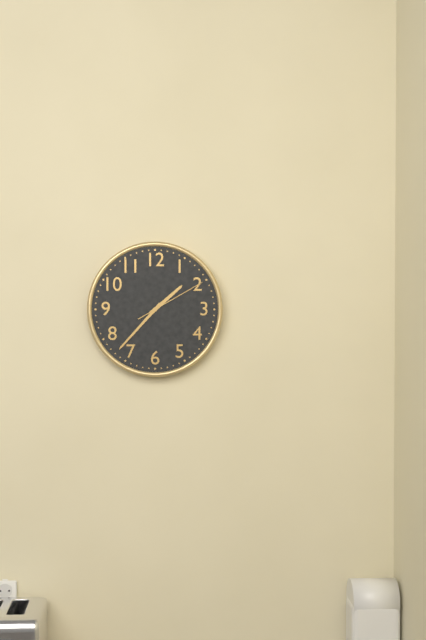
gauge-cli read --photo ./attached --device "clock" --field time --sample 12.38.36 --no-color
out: 1.37.10
